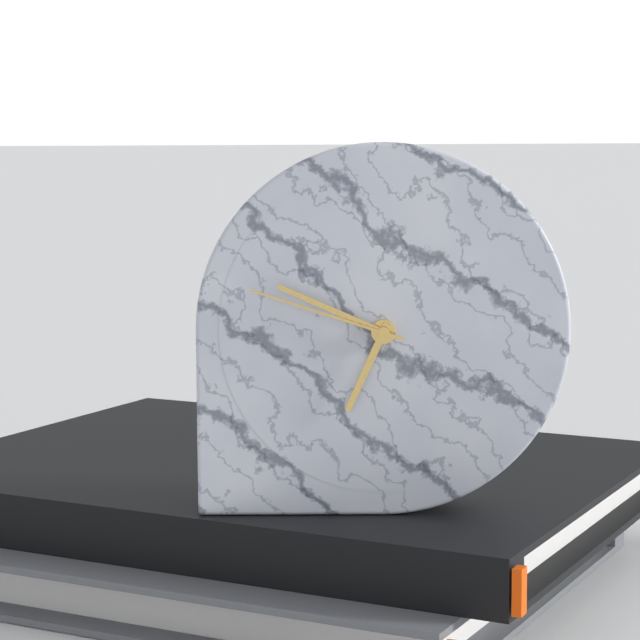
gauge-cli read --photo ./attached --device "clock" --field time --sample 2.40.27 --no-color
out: 6.49.48
